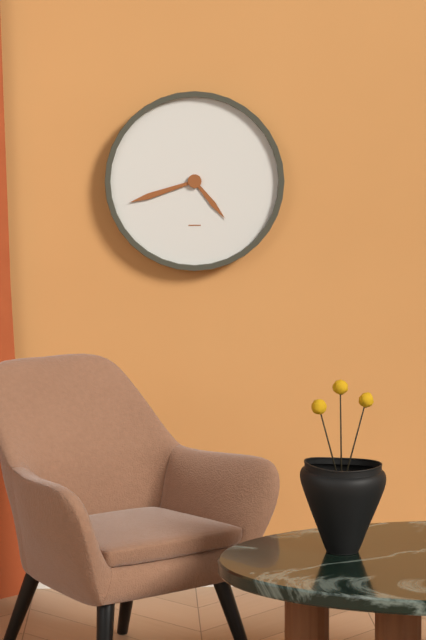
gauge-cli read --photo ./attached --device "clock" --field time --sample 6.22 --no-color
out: 4.42
